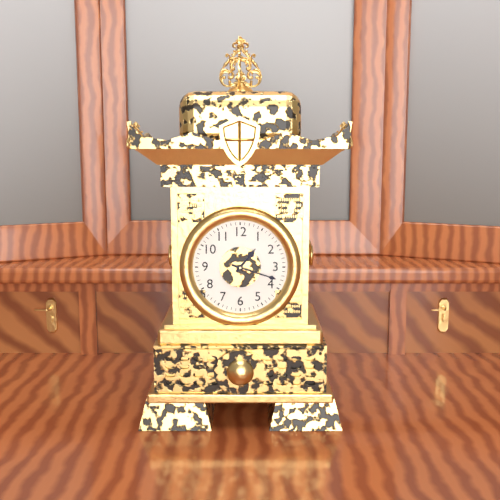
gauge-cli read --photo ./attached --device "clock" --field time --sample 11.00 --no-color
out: 1.18
